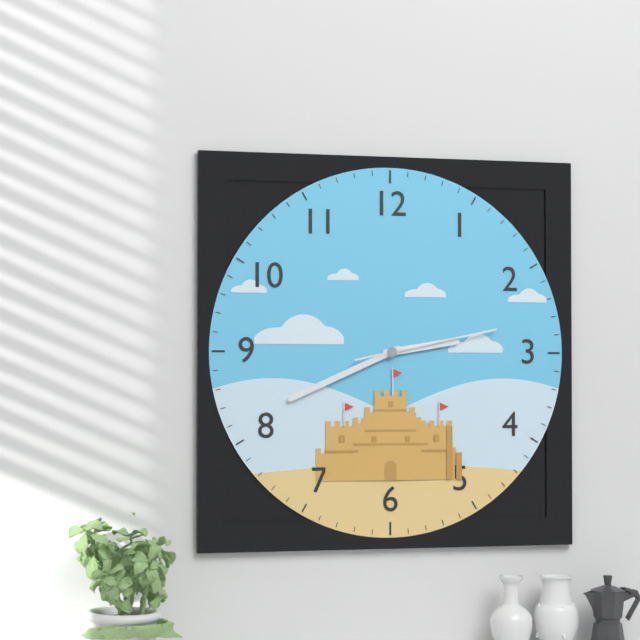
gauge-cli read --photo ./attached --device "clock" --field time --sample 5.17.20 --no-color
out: 2.41.13
